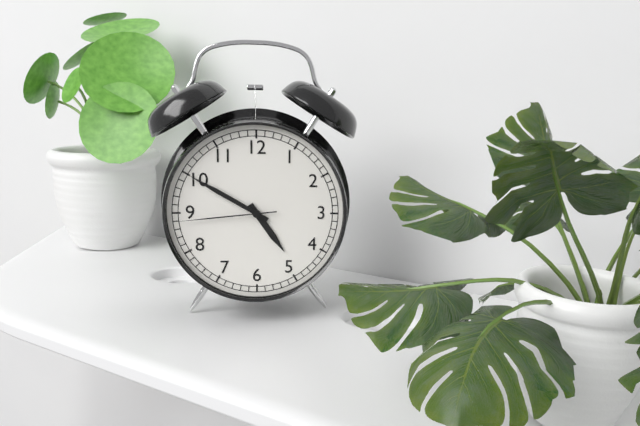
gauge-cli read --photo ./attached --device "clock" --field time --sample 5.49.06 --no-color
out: 4.50.44
